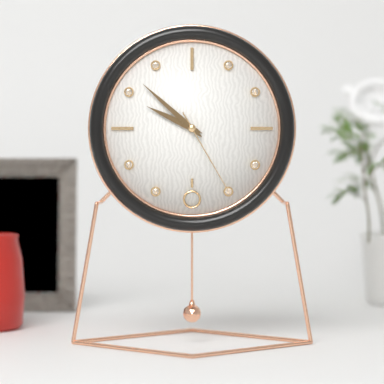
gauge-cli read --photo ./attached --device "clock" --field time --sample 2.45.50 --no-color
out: 9.52.25
